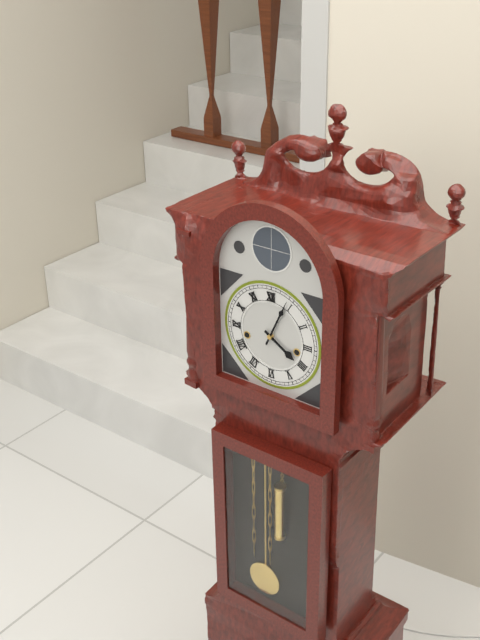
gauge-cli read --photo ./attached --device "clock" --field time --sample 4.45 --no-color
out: 4.04
